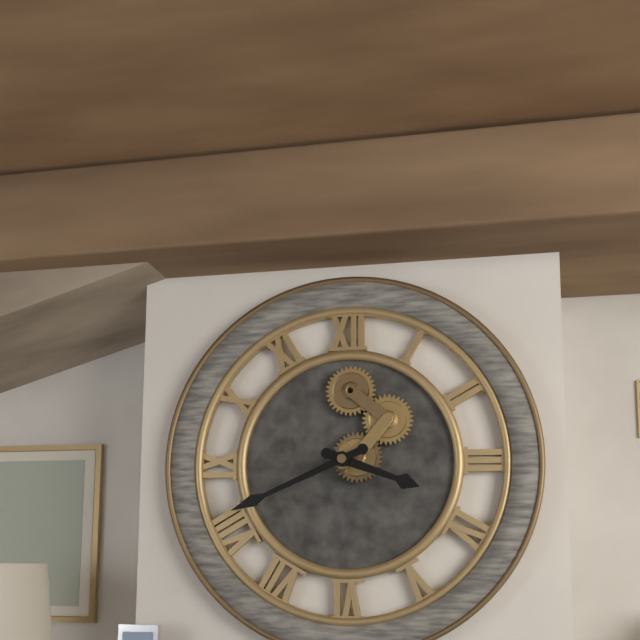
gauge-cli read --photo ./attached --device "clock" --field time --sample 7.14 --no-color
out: 3.41
